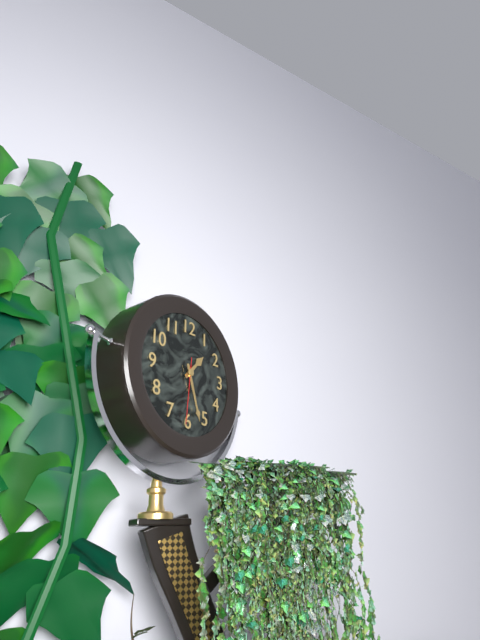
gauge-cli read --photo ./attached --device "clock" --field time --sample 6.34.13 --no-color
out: 1.27.31
